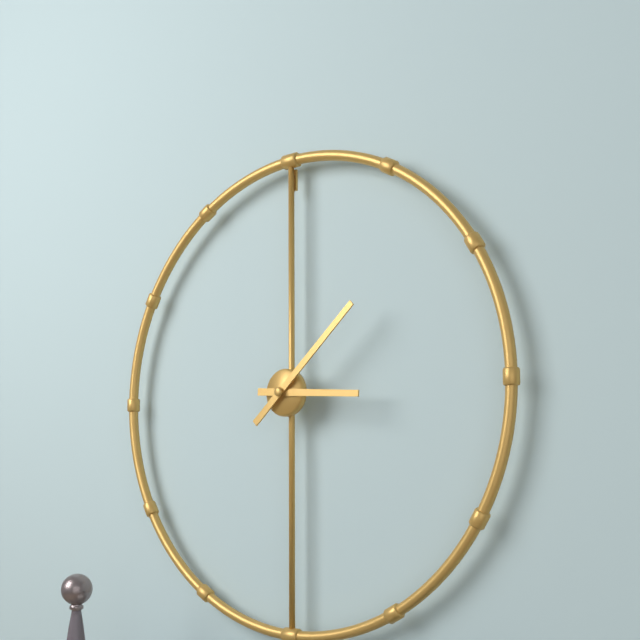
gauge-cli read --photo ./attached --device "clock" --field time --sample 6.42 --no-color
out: 3.08
